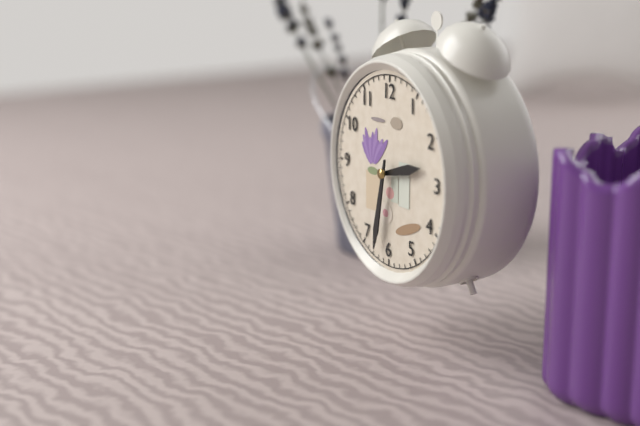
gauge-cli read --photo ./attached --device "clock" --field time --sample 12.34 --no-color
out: 2.32
